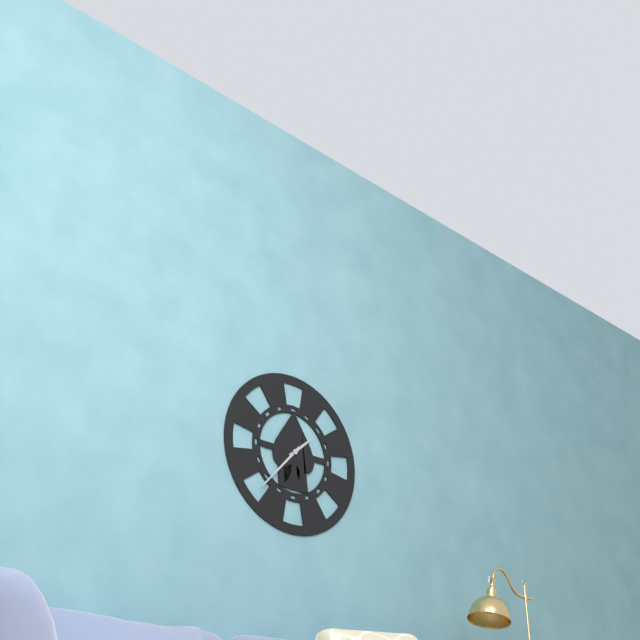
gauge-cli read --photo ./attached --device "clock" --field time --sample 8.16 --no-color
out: 1.37
